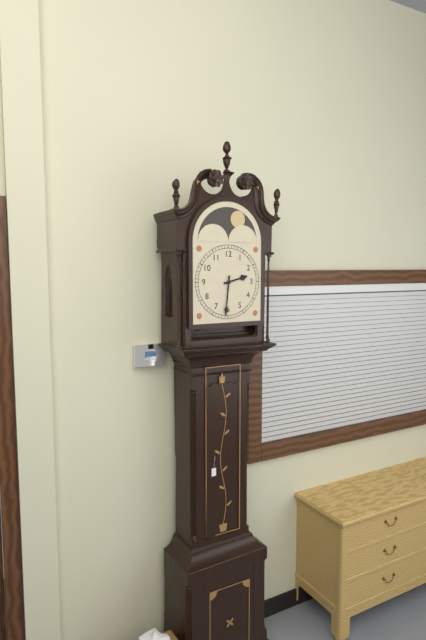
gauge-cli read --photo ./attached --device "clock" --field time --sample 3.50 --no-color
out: 2.31
